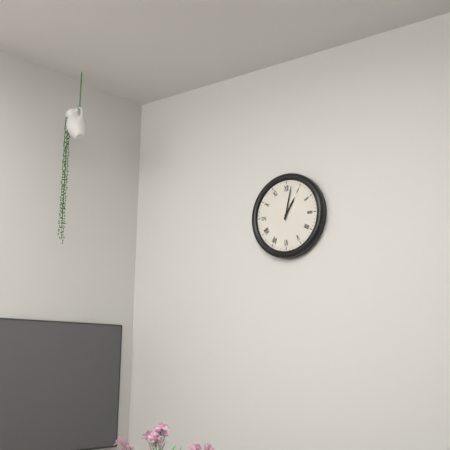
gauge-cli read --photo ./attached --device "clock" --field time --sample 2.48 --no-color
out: 1.02
